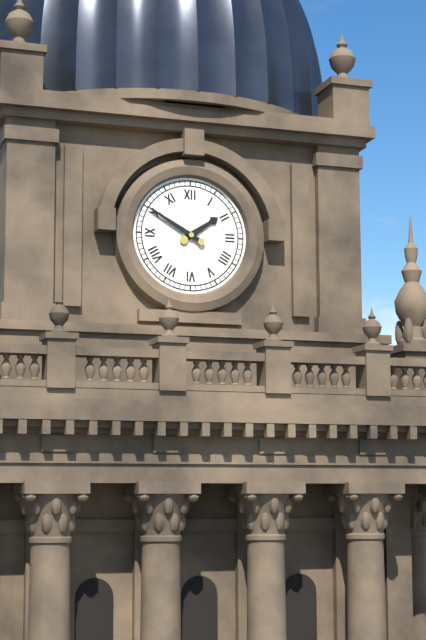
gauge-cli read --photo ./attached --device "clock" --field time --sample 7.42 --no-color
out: 1.50
